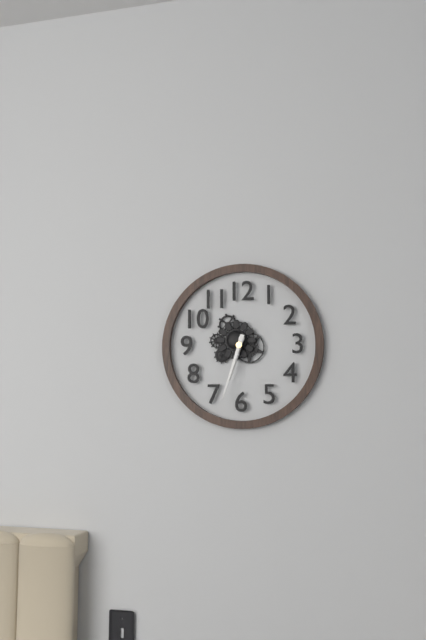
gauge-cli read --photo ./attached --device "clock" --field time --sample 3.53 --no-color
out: 6.33
